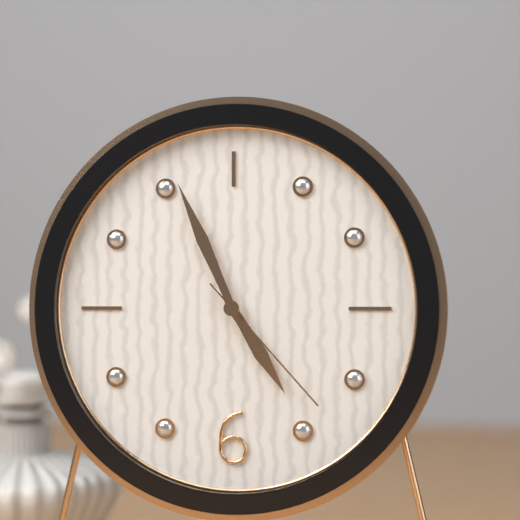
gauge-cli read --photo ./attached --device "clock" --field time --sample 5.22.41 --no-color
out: 4.56.23
